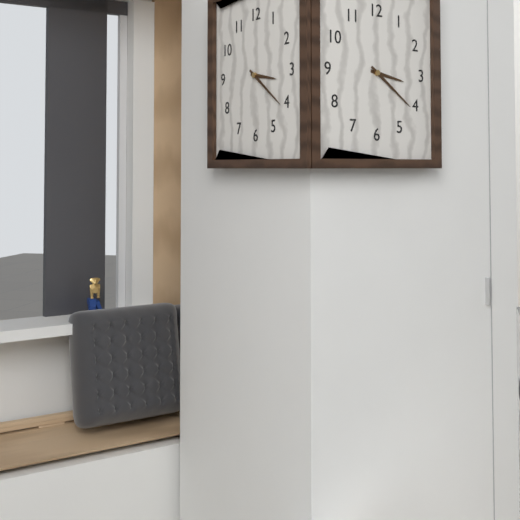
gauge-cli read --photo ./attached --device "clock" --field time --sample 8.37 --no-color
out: 3.21
